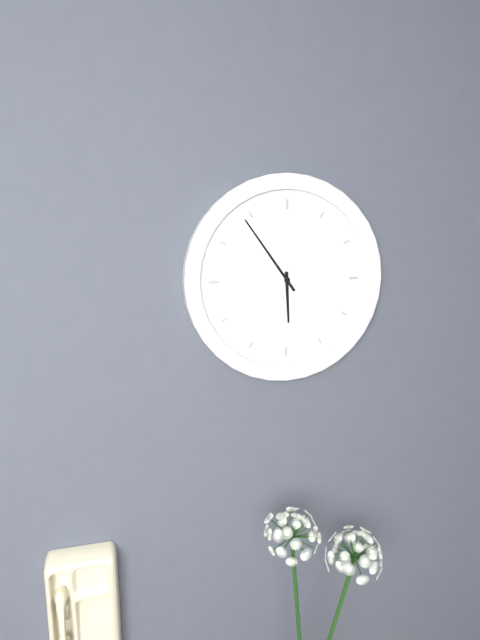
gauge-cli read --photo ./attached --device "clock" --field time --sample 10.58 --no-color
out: 5.54
